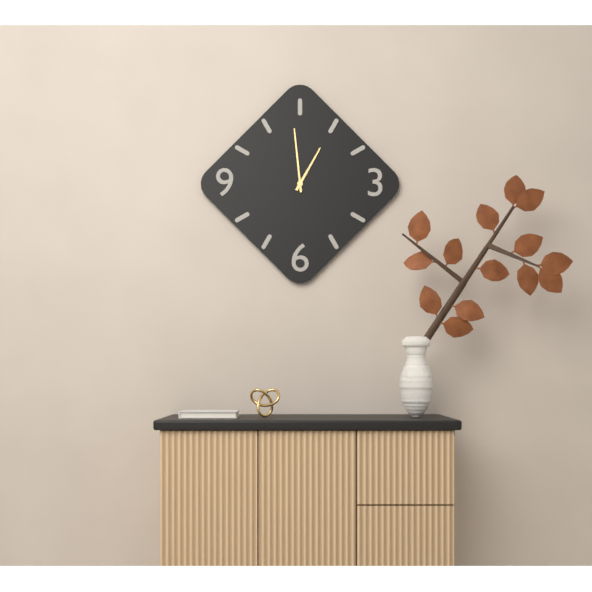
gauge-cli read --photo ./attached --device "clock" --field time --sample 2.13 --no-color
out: 12.59
